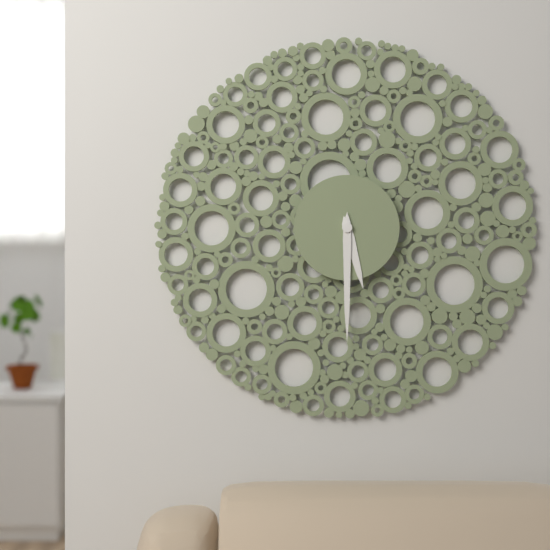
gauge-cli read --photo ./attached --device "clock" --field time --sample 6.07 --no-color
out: 5.30
